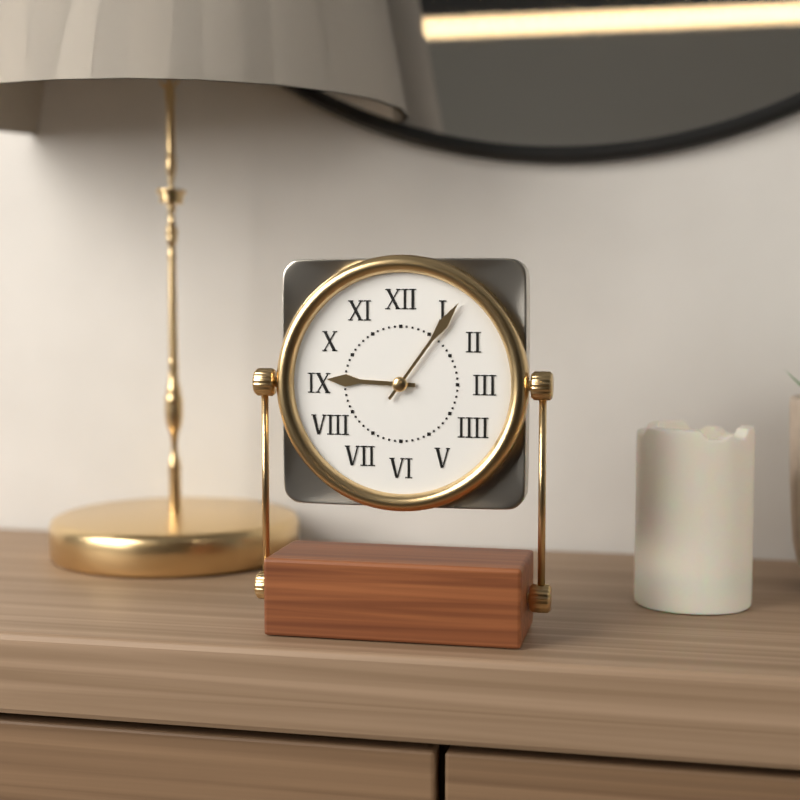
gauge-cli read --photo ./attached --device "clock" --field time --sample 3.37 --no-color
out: 9.06
